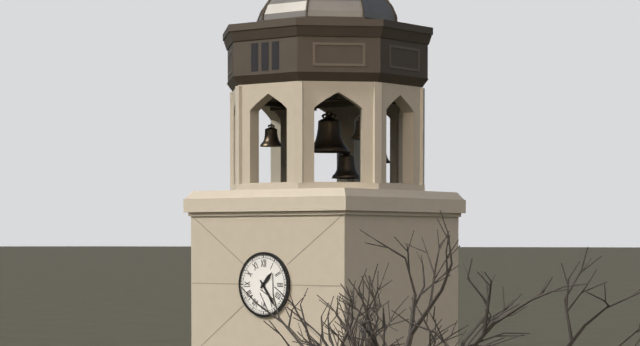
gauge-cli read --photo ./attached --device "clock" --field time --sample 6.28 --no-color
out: 1.24
